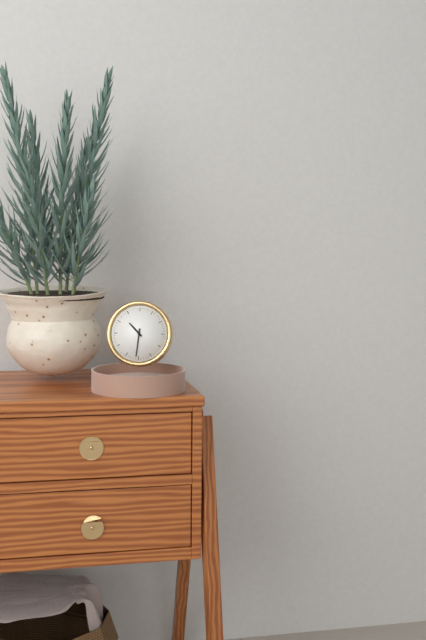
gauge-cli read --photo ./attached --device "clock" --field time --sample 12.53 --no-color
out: 10.31
